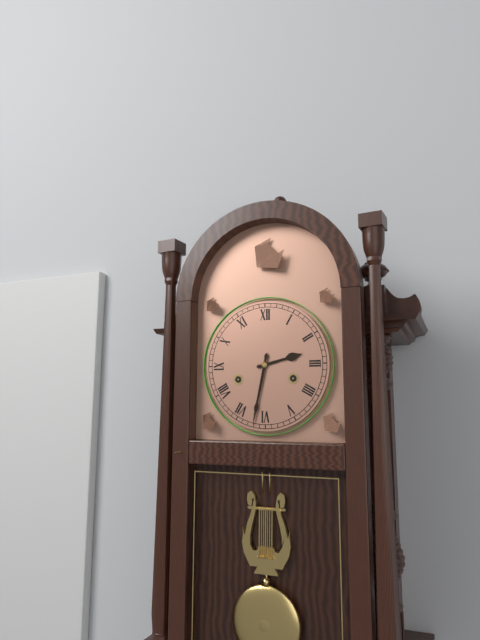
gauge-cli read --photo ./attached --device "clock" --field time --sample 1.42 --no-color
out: 2.32
